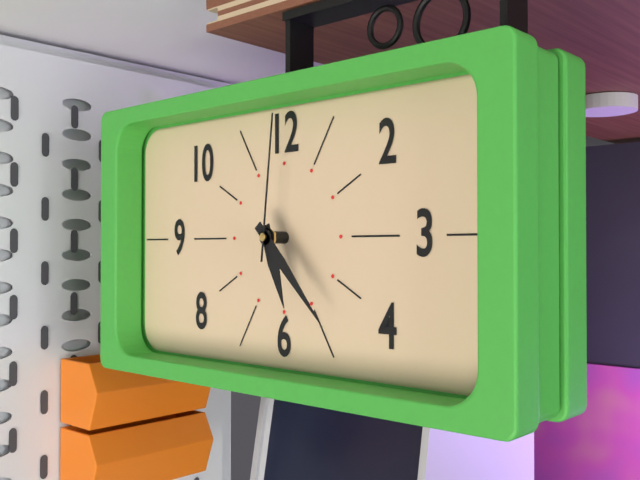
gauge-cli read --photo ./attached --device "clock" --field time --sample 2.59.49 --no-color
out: 5.23.01
